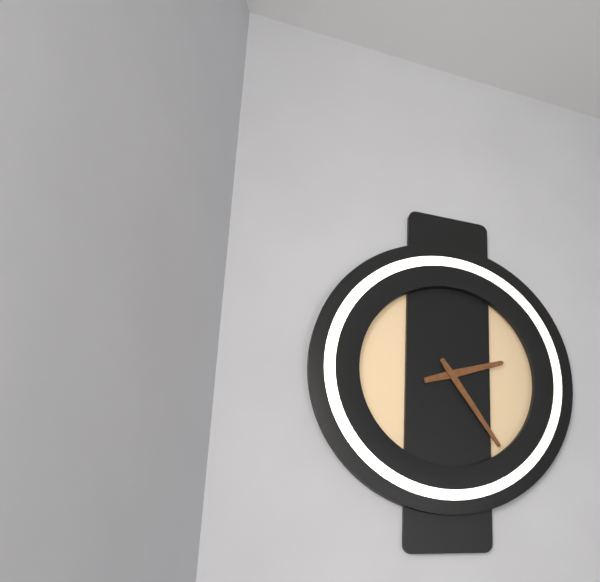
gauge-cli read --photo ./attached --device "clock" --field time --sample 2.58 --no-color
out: 2.24
